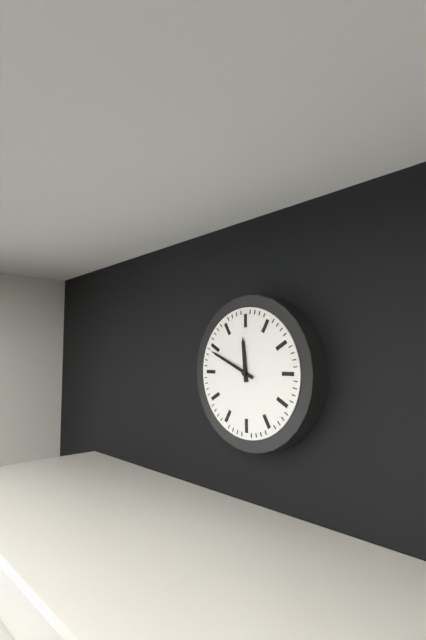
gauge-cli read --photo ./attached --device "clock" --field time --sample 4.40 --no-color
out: 11.49
